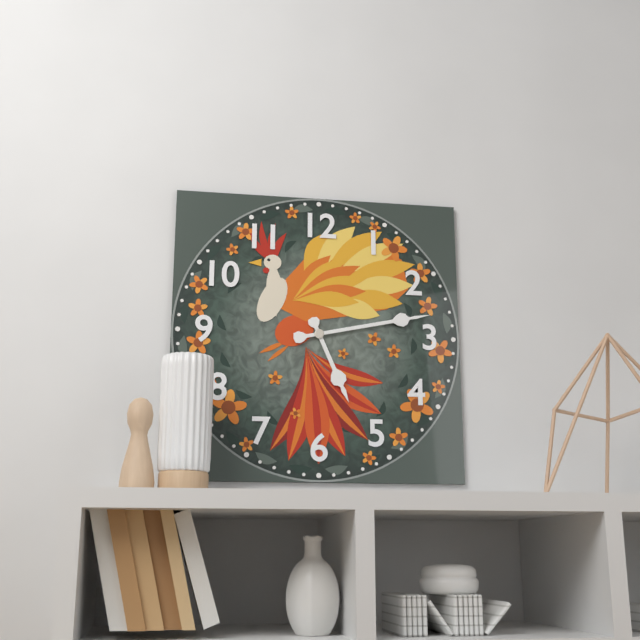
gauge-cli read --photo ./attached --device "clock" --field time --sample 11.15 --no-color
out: 5.13
